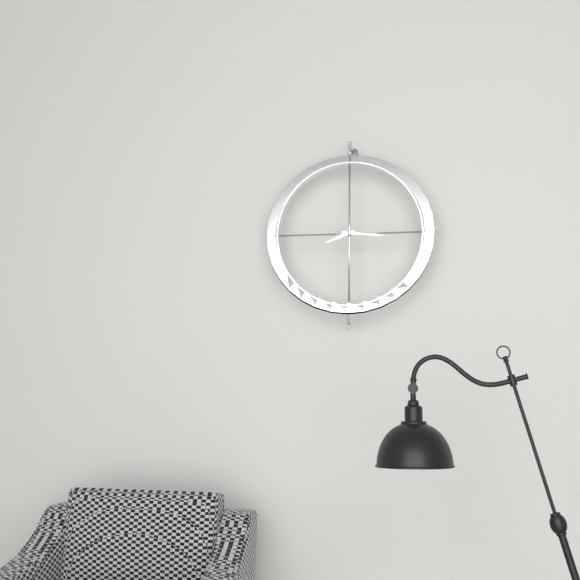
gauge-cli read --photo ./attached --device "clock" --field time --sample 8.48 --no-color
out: 8.16
